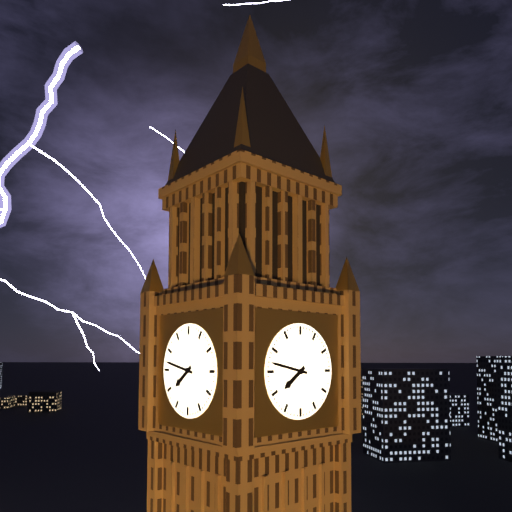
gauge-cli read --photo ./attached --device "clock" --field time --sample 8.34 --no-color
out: 7.47
